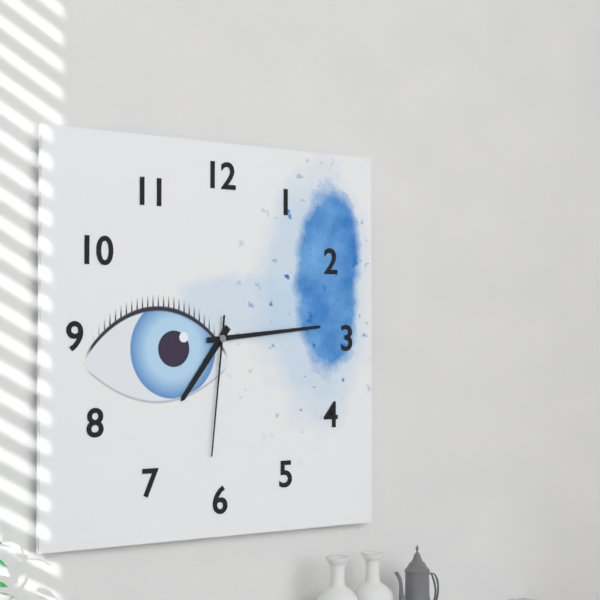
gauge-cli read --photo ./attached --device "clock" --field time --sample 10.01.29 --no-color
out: 7.14.31
